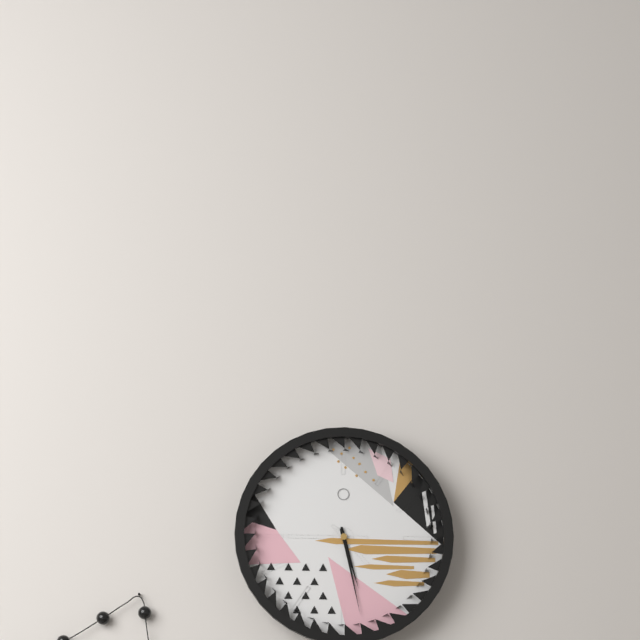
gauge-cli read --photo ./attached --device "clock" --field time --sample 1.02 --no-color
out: 5.28
